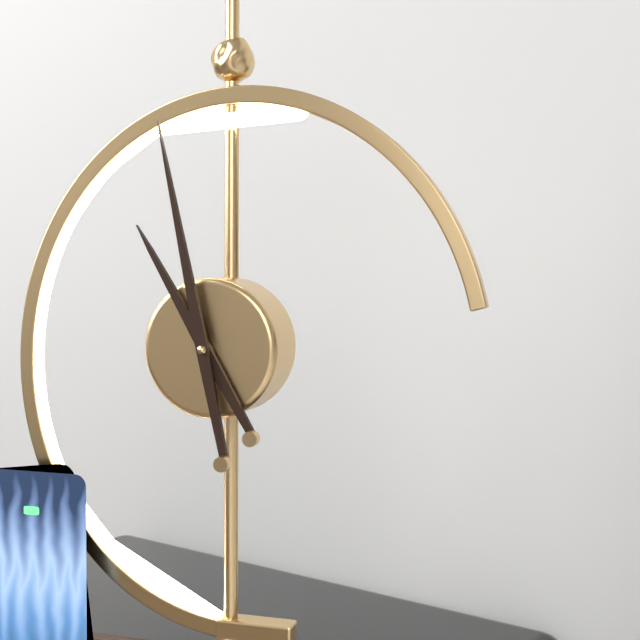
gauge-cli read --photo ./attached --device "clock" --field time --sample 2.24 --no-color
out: 10.58
